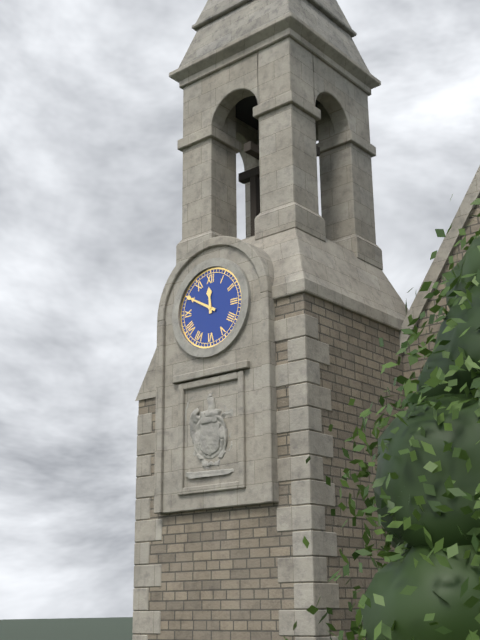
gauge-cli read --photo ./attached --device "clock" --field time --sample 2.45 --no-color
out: 11.50
